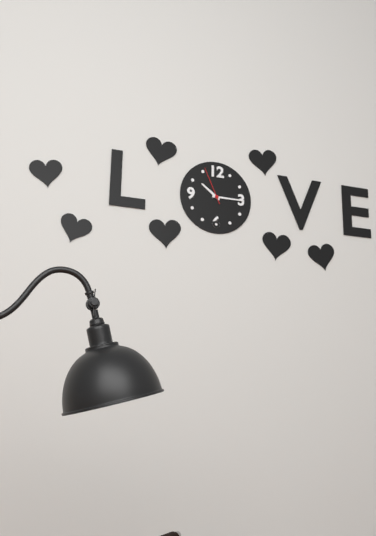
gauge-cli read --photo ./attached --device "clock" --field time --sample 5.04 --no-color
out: 10.15
